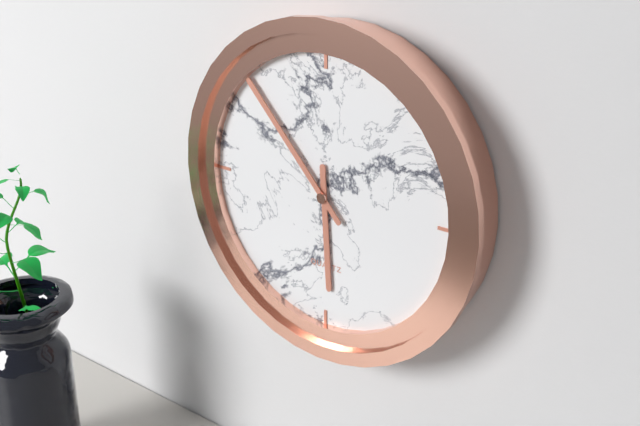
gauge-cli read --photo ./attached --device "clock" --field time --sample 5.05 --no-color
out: 5.53
